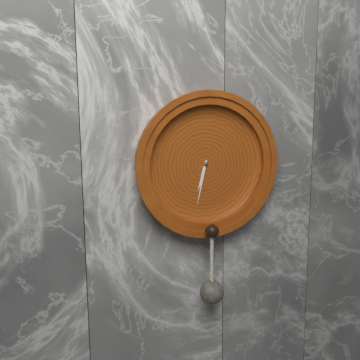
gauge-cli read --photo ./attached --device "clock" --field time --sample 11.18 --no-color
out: 6.32
